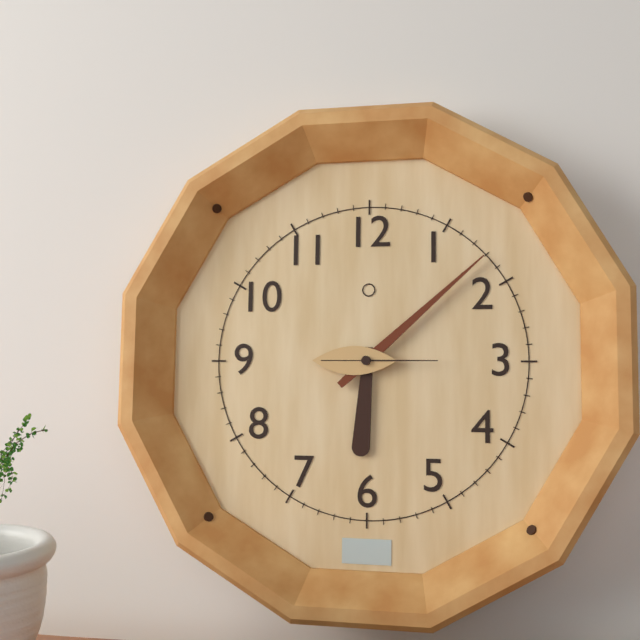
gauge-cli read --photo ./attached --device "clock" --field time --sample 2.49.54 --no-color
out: 6.08.15
